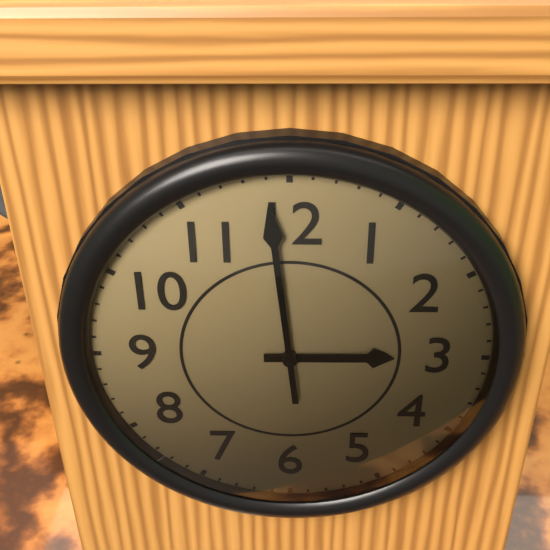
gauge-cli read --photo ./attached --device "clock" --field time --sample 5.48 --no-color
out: 2.59
